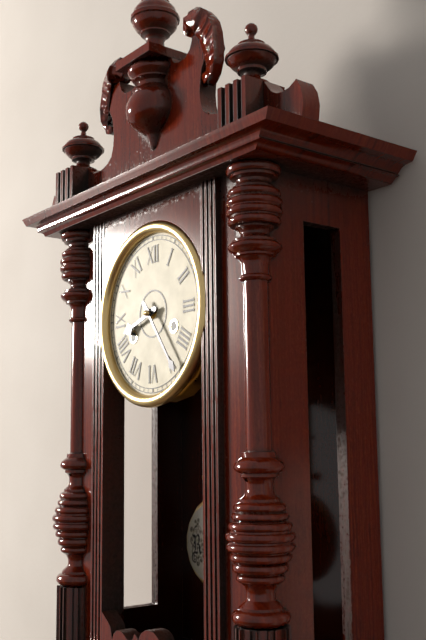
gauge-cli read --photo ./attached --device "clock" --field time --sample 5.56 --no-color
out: 8.24
